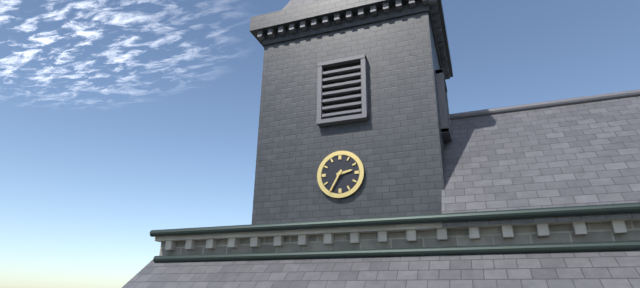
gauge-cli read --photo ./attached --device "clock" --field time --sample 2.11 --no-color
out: 2.35
